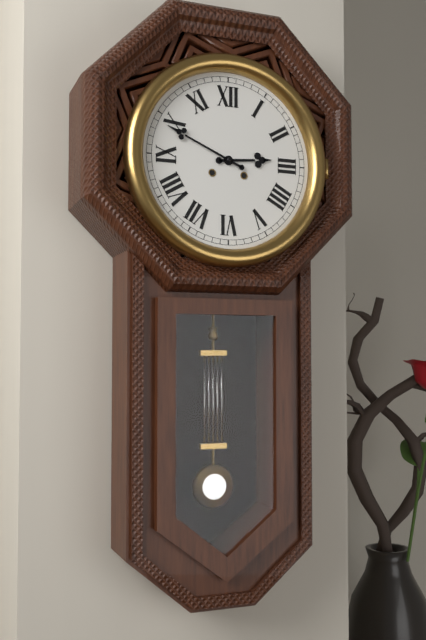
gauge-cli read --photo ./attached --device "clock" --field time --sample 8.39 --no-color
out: 2.49
